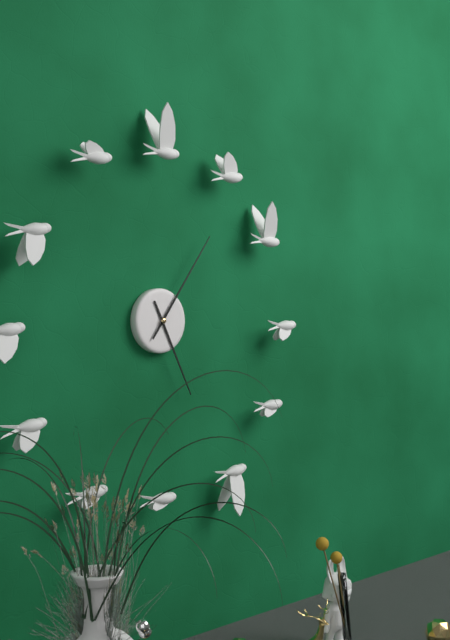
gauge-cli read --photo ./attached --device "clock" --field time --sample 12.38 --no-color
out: 5.06
